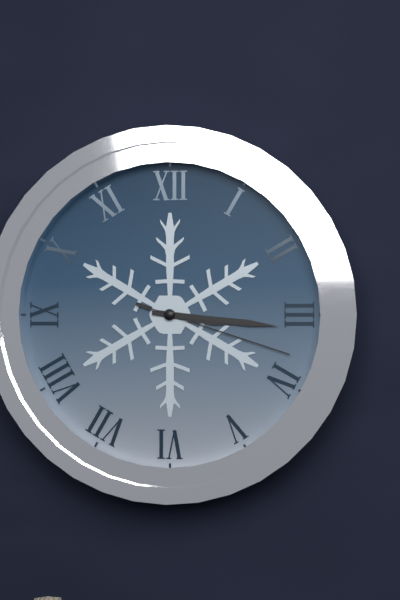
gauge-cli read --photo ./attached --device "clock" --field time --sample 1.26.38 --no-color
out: 3.16.18
